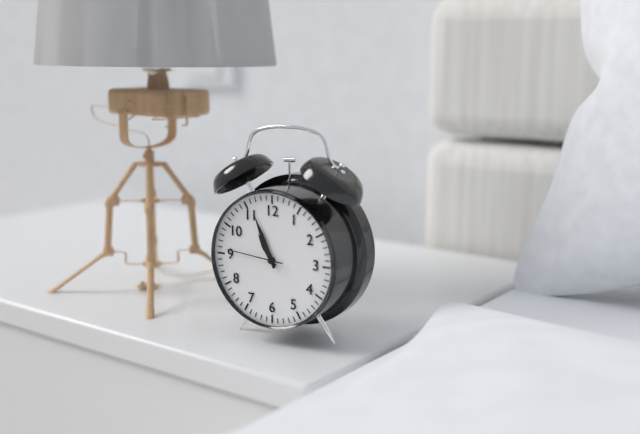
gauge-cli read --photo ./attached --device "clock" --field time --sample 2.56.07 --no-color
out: 10.56.46
